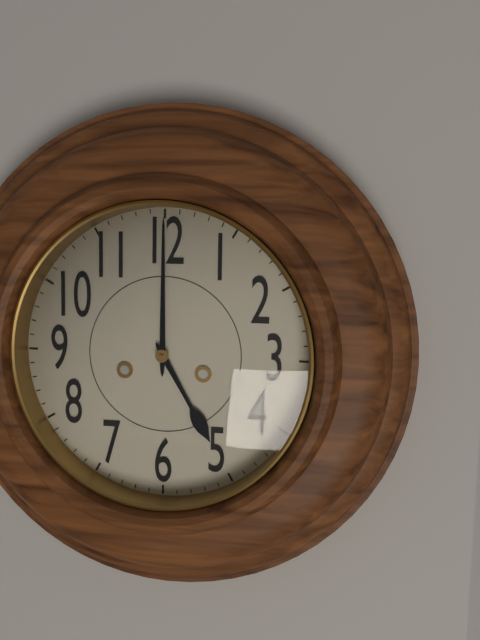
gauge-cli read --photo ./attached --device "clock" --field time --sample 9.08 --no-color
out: 5.00
